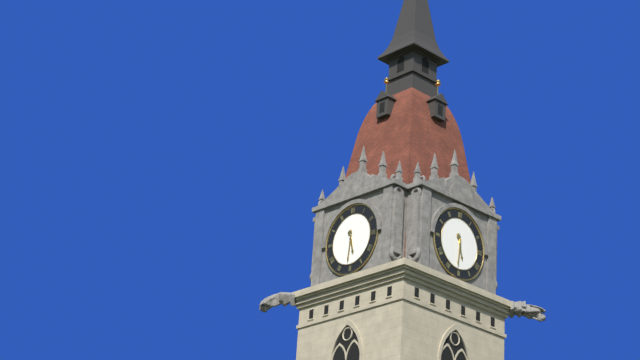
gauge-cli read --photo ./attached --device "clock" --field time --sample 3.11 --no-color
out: 5.31
